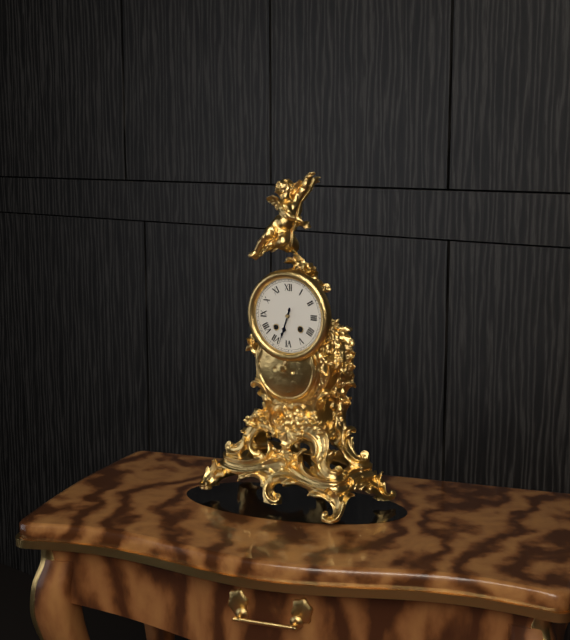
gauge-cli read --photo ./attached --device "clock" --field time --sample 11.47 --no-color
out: 6.33
